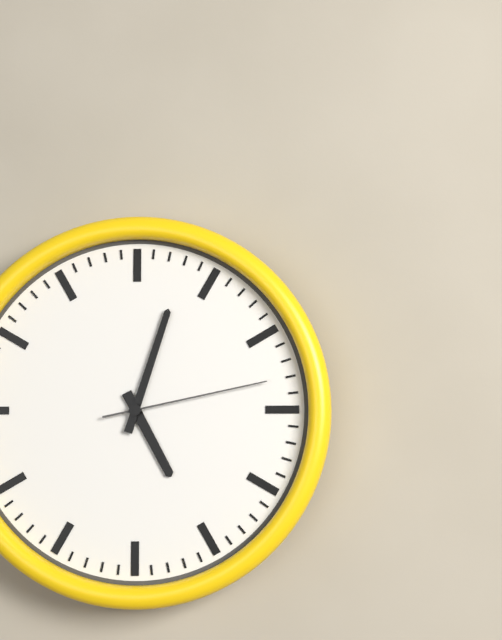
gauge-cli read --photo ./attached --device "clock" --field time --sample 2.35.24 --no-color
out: 5.03.13
